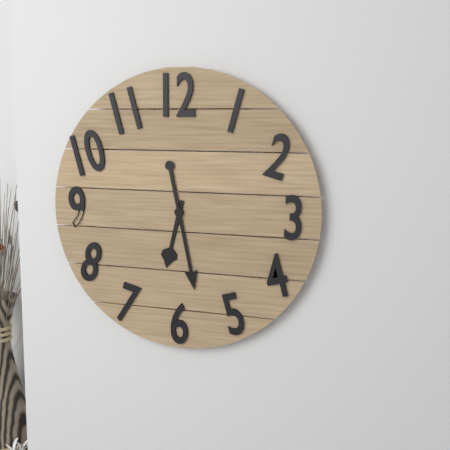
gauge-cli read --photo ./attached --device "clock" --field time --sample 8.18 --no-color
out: 6.28
